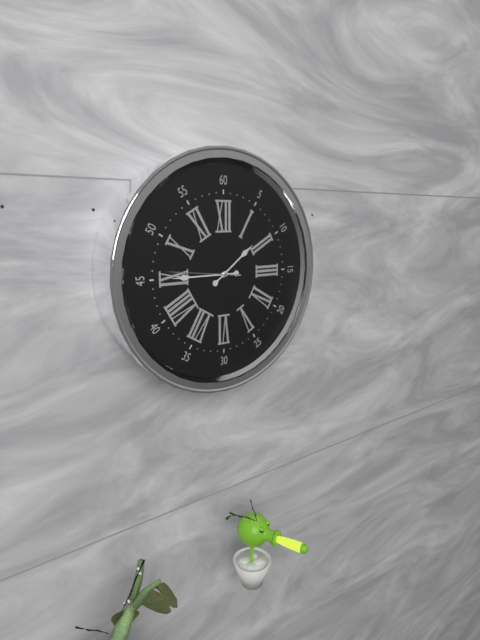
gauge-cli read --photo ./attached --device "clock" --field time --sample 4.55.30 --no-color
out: 1.45.46
